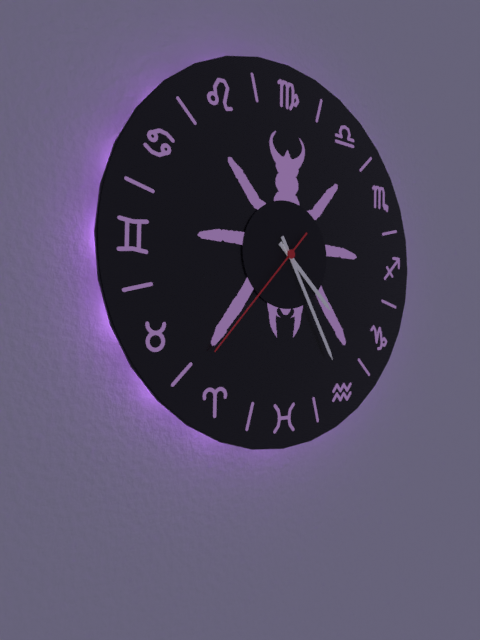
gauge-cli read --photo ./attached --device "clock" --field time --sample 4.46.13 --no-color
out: 4.25.37
